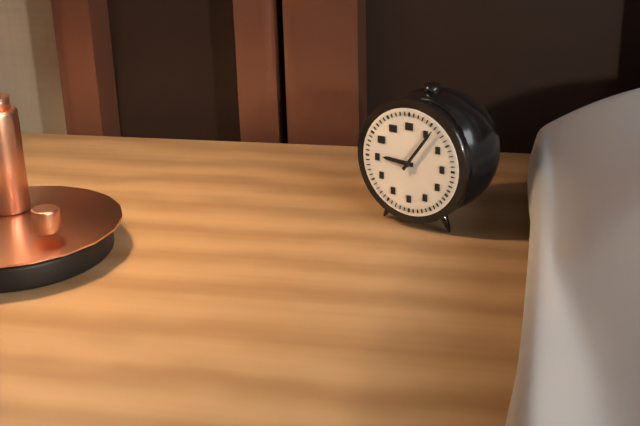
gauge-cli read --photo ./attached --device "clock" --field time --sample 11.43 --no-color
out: 9.06
